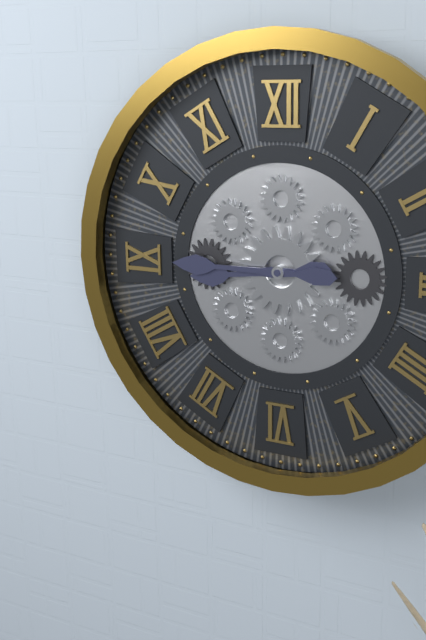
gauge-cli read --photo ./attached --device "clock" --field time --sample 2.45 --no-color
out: 8.45
